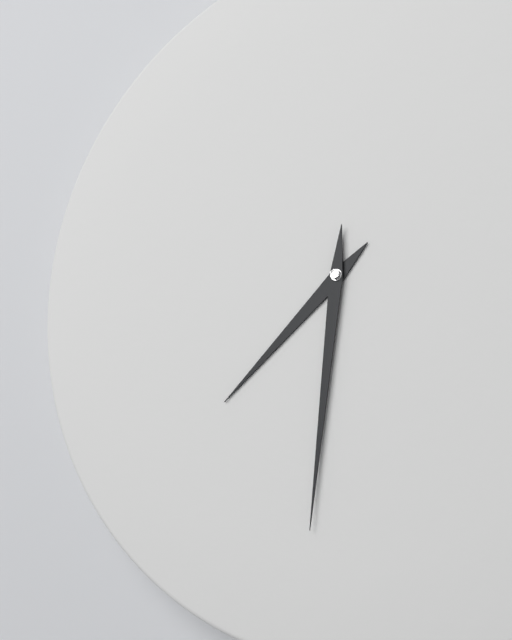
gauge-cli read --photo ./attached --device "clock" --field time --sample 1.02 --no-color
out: 7.31
